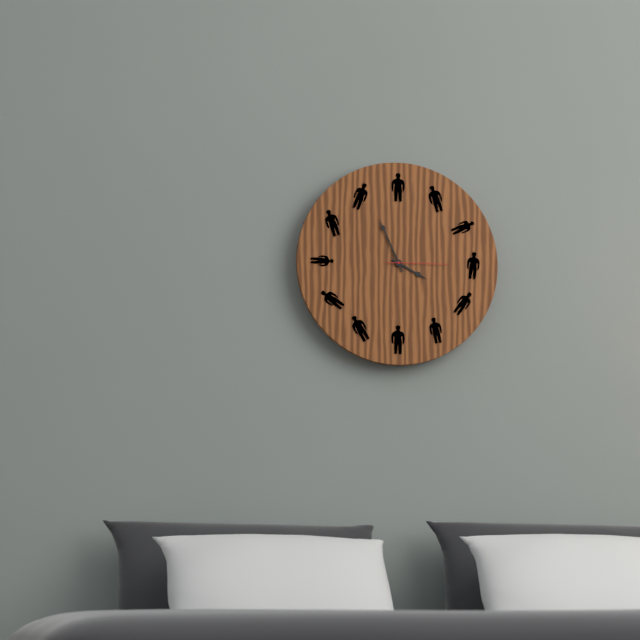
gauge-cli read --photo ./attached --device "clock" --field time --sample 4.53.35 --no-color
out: 3.56.15
